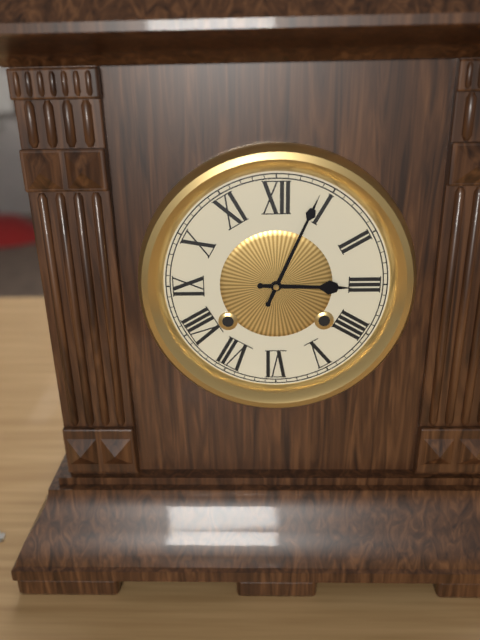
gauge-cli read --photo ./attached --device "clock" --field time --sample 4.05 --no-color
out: 3.04
